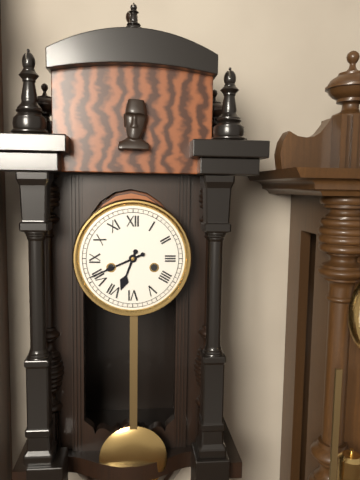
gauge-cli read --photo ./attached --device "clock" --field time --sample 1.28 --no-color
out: 6.41
